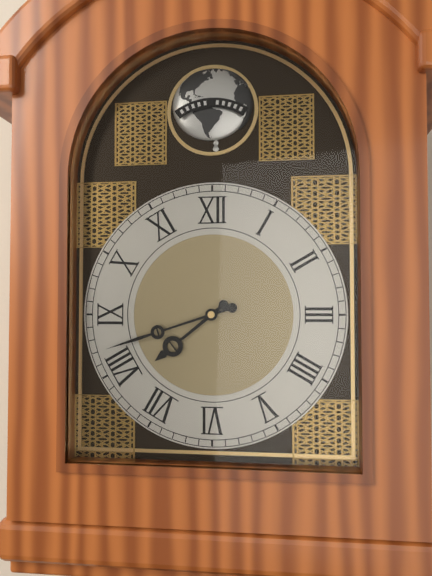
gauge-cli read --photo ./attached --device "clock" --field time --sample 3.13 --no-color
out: 7.42
